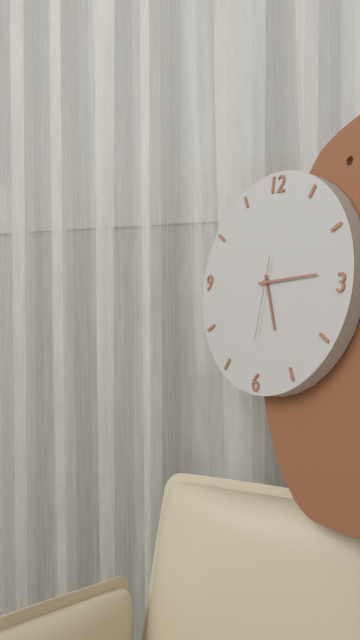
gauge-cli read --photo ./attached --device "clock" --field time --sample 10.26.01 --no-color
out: 5.14.31
